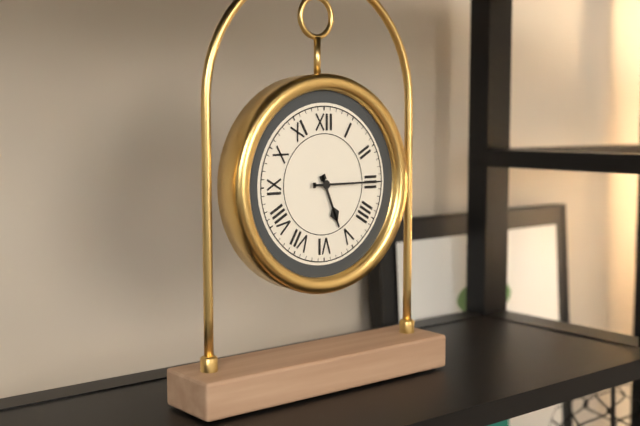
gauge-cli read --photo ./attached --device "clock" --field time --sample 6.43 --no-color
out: 5.15
